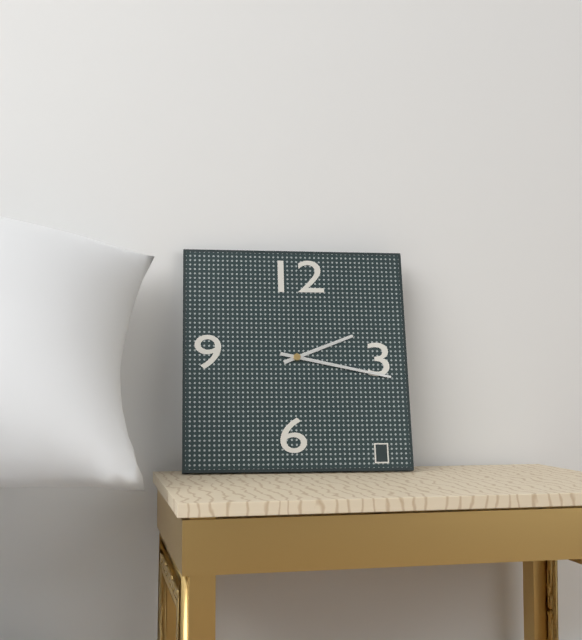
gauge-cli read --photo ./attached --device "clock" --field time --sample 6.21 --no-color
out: 2.17
